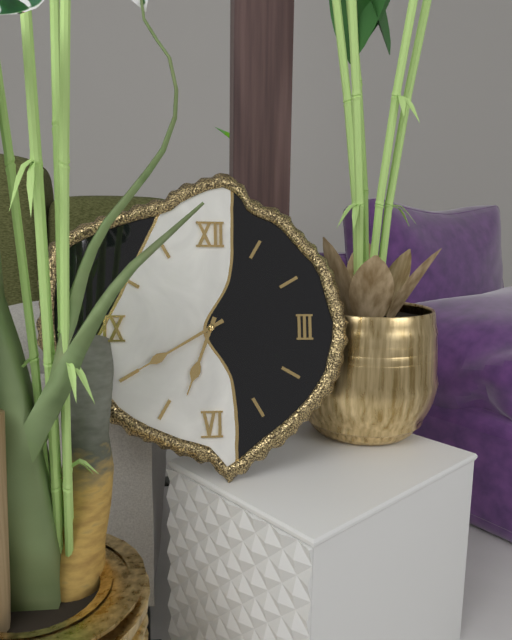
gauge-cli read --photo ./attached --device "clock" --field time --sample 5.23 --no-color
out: 6.40
